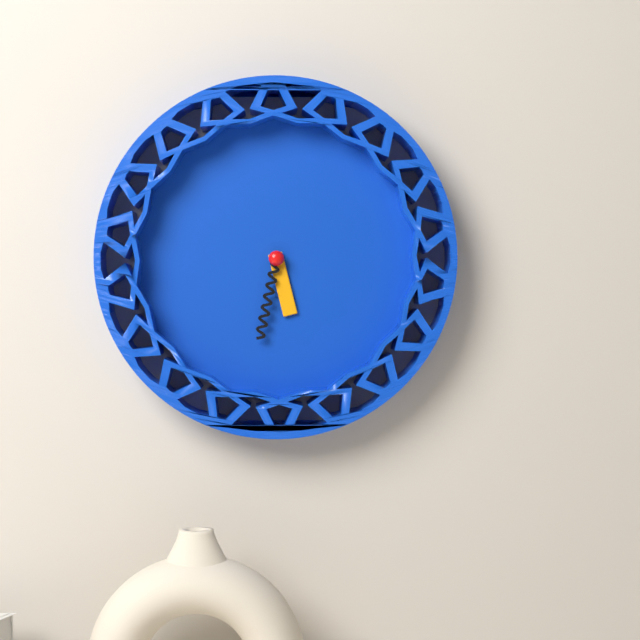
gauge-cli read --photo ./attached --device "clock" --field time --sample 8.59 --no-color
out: 5.32
